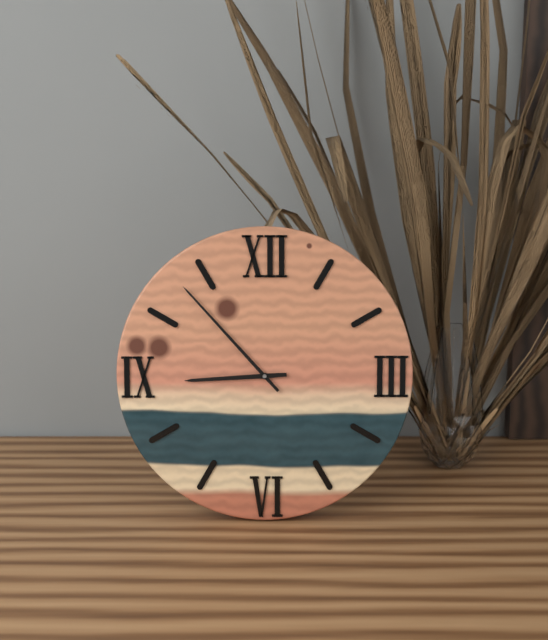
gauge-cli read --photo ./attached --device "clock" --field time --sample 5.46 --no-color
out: 8.53
